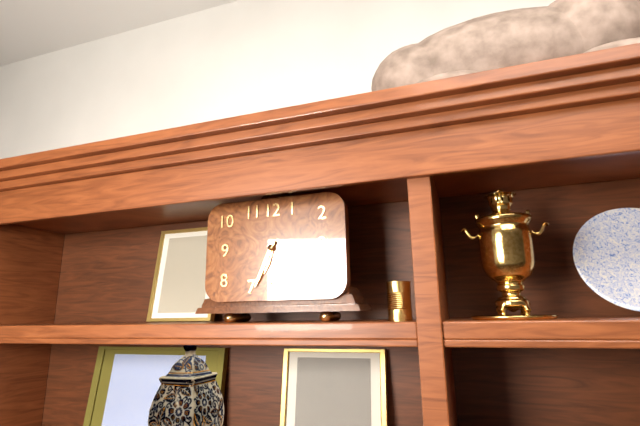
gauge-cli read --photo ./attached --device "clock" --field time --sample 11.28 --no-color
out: 6.34
